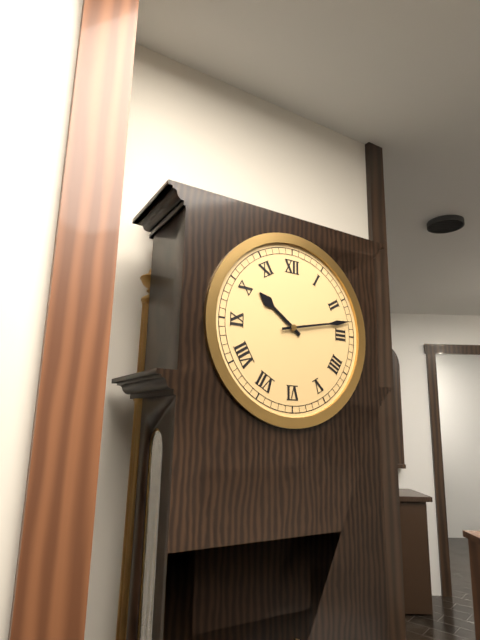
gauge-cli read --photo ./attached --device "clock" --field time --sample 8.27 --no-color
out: 10.13
